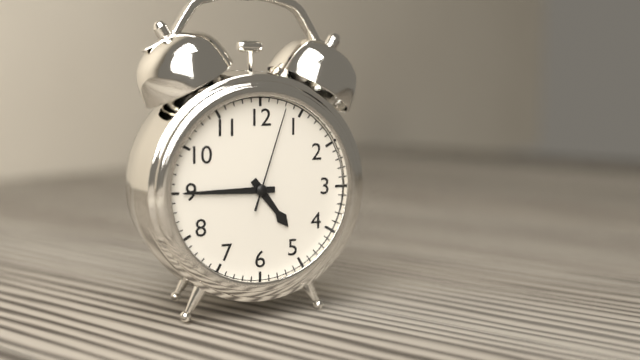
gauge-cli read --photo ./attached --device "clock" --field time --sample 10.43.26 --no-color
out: 4.45.03
